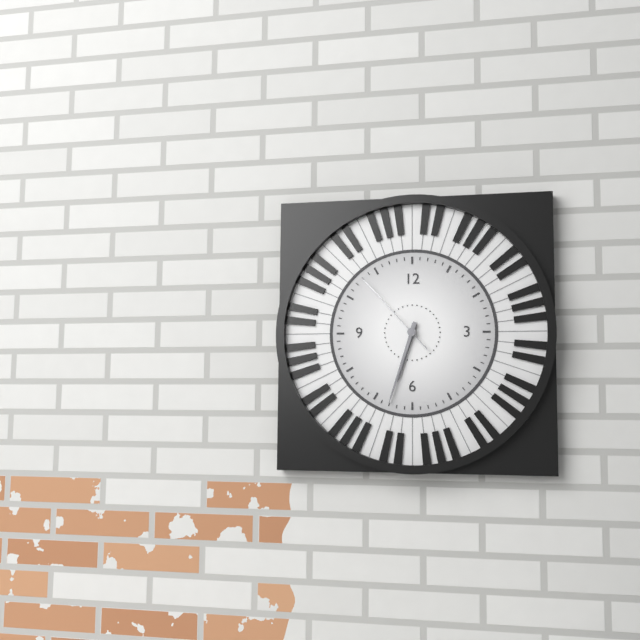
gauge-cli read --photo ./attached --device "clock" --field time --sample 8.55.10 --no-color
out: 6.33.53
